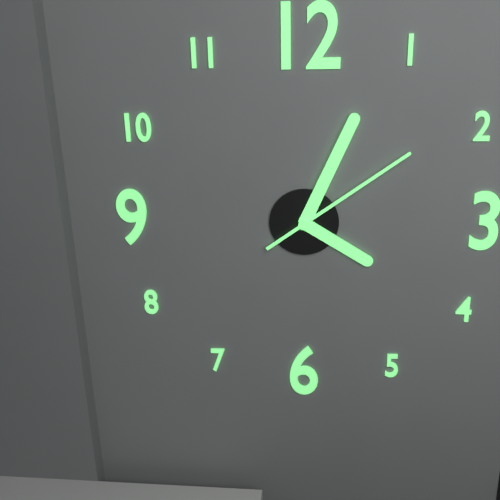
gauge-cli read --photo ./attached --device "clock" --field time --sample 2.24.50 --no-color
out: 4.04.09
